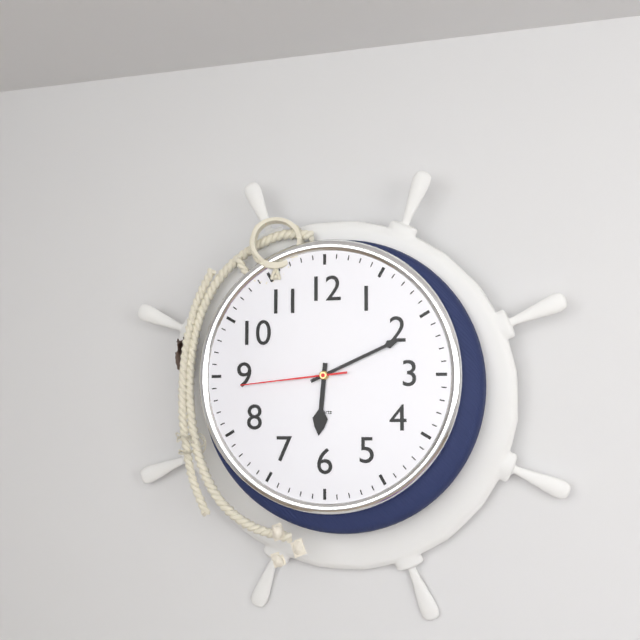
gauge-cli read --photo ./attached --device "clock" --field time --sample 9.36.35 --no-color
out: 6.11.44
